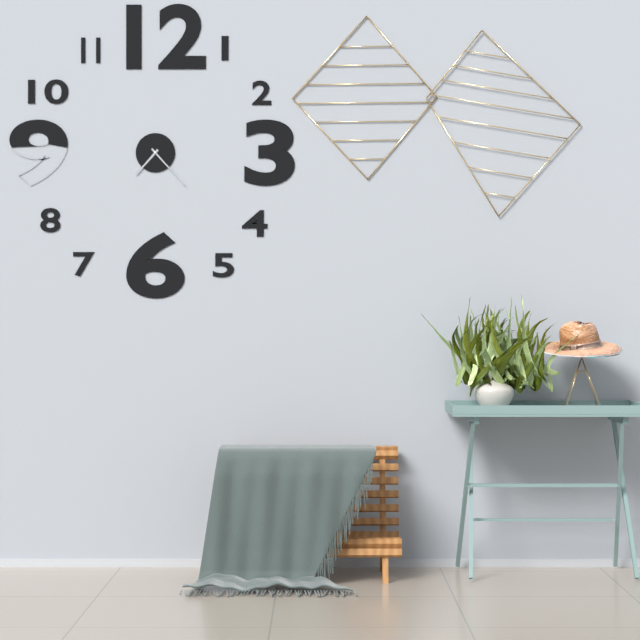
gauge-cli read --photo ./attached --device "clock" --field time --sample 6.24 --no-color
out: 7.23
